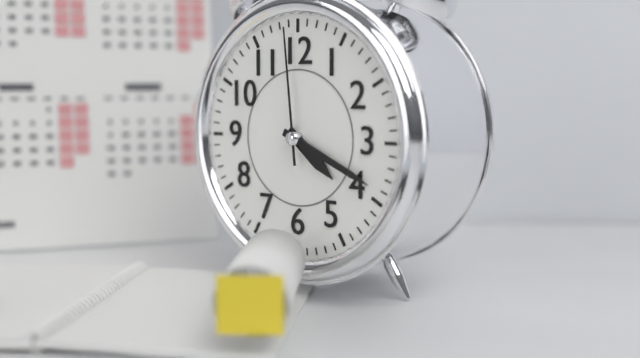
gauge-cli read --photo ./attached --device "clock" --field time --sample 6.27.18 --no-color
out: 4.19.59
